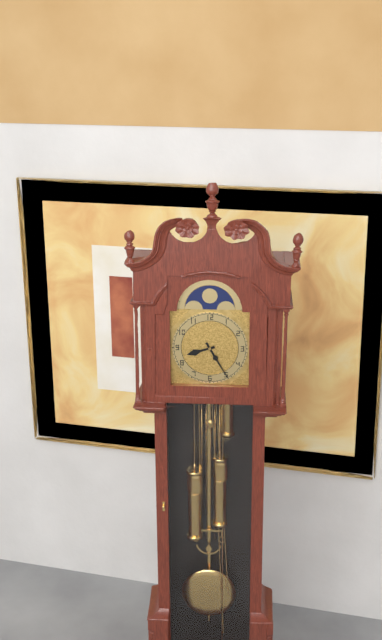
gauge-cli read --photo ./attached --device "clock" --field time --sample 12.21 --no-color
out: 8.25
